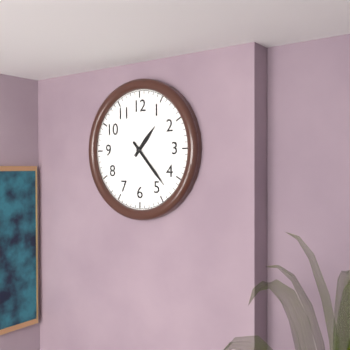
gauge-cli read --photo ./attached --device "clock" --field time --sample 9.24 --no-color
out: 1.23
